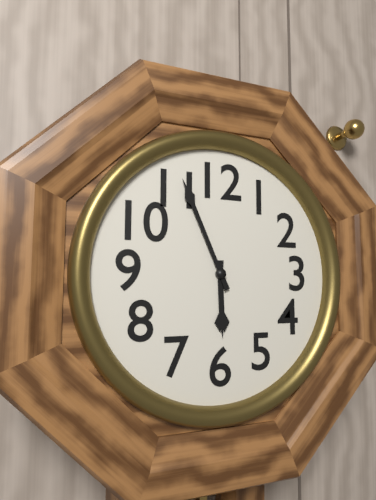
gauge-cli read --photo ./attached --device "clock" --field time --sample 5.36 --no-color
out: 5.56
